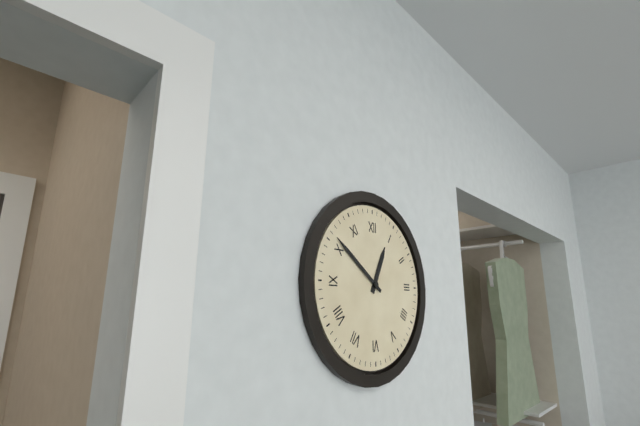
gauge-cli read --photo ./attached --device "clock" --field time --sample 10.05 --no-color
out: 12.51
